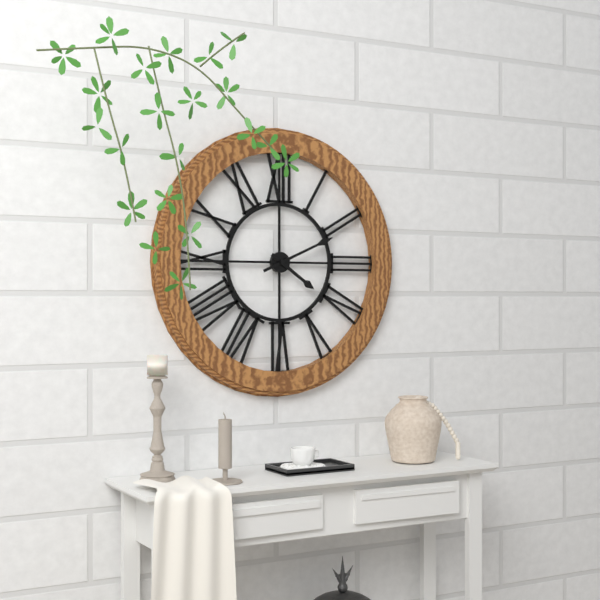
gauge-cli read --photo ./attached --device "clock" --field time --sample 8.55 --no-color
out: 4.11
